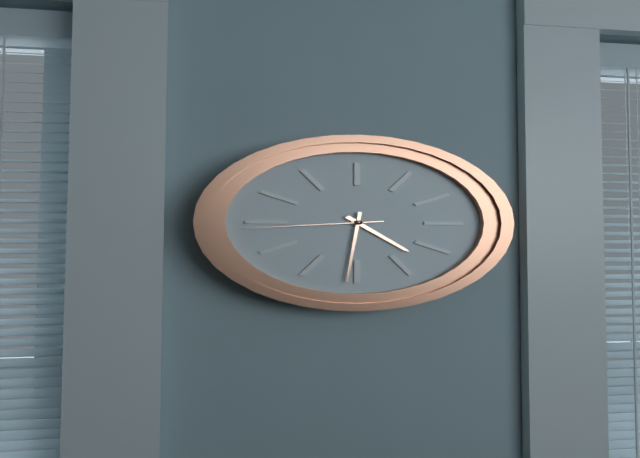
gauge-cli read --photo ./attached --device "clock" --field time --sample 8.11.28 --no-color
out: 4.31.44
